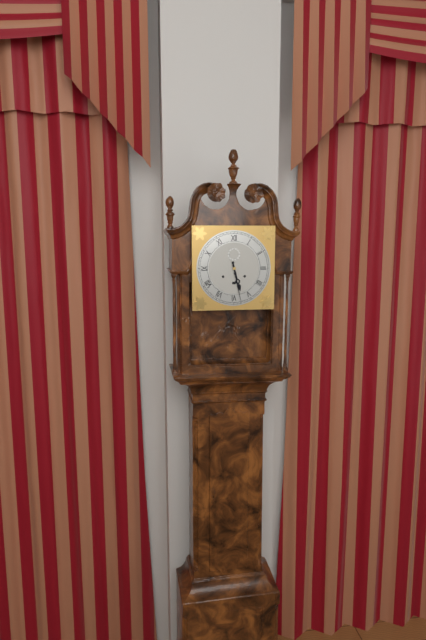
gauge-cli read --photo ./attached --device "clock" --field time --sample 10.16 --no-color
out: 5.28
